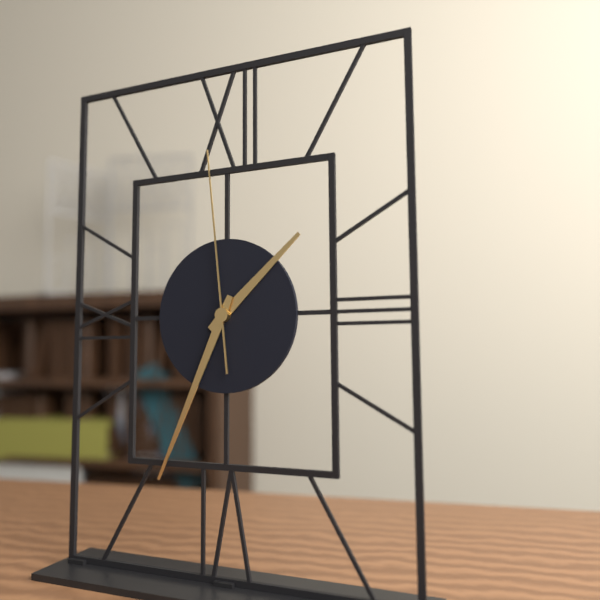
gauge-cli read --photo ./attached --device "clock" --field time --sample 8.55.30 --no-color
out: 1.34.59
